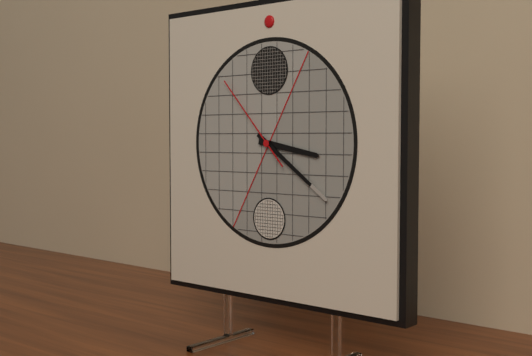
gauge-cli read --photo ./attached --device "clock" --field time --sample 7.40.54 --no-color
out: 3.21.53
